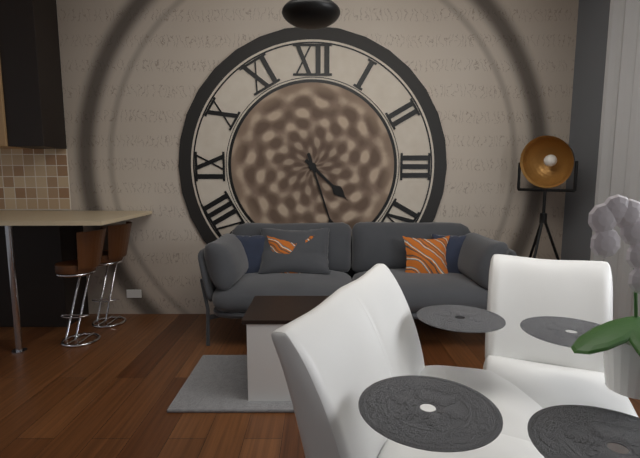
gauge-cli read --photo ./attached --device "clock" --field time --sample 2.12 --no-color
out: 4.27
